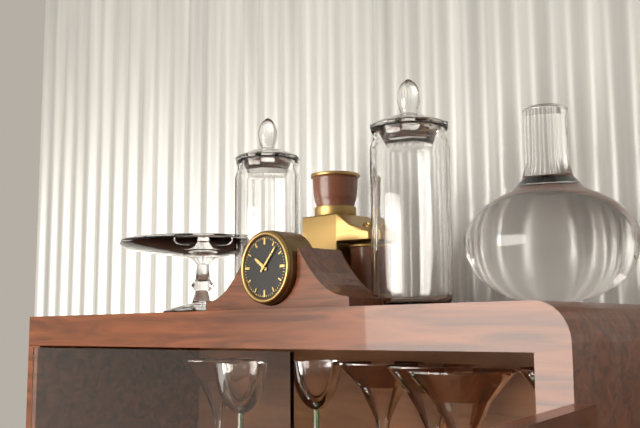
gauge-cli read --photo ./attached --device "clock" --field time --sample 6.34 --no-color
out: 10.07
